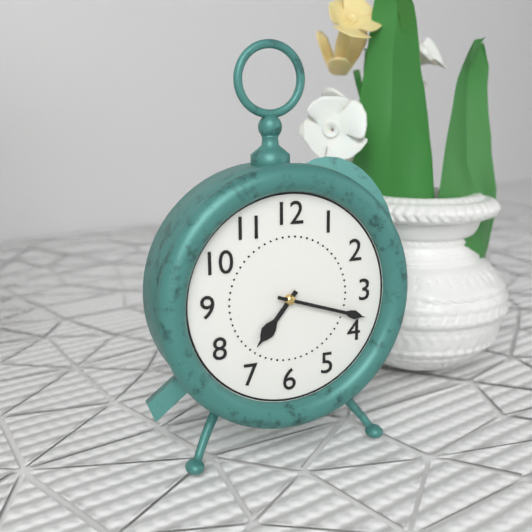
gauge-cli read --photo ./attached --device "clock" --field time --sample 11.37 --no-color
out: 7.18
